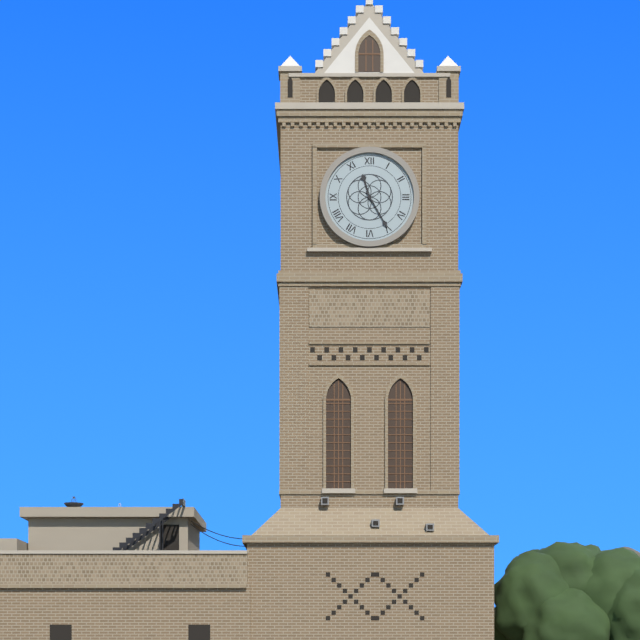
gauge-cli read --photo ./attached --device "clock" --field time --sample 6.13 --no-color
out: 11.25
